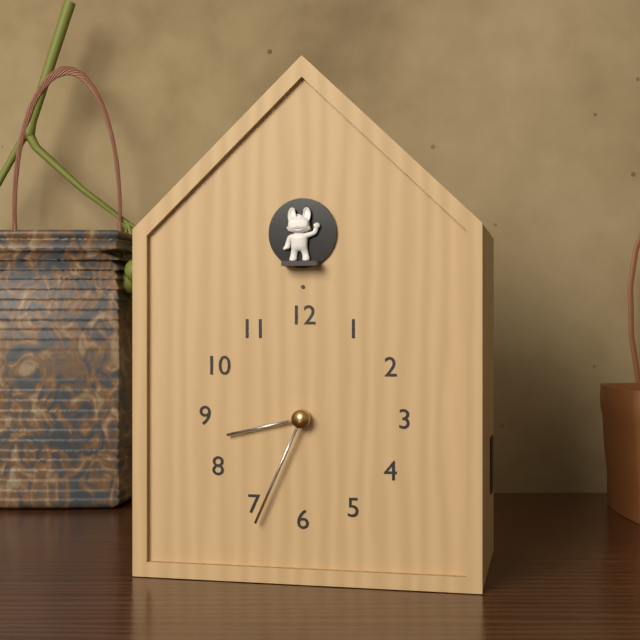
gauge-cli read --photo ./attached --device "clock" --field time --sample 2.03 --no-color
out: 8.34
